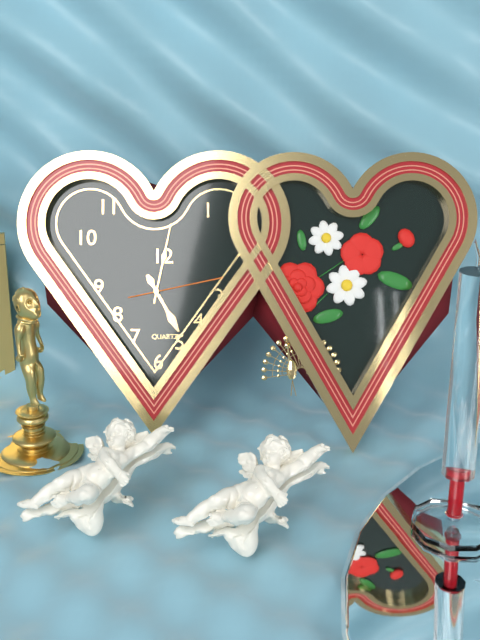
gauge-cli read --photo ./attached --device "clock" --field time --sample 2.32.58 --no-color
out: 5.02.13
